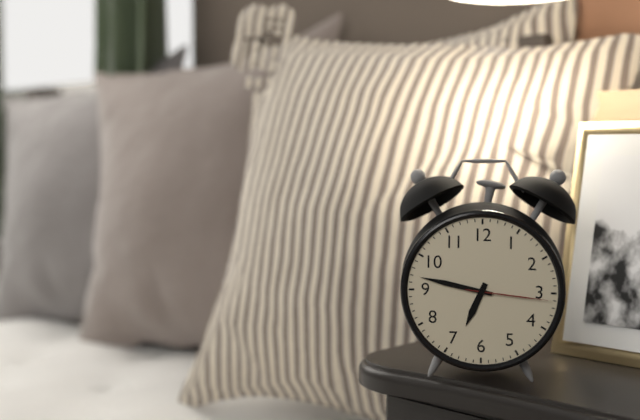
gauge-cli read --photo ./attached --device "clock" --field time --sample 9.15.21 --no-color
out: 6.47.16
